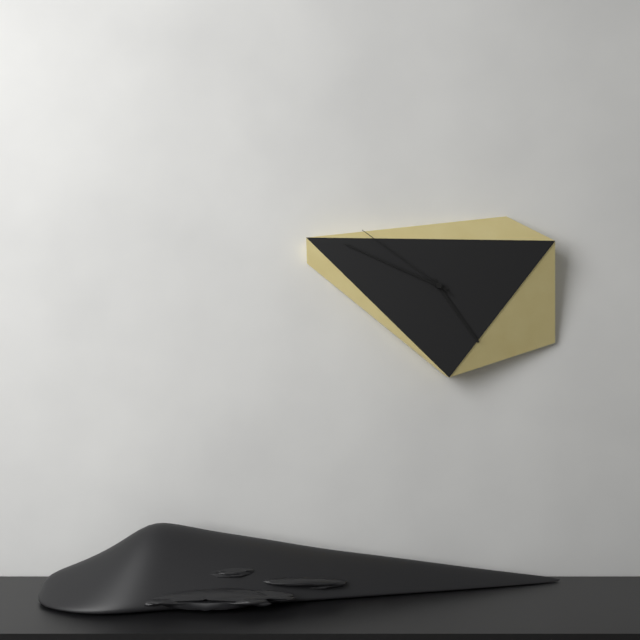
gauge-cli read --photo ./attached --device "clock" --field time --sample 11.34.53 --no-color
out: 4.49.51
